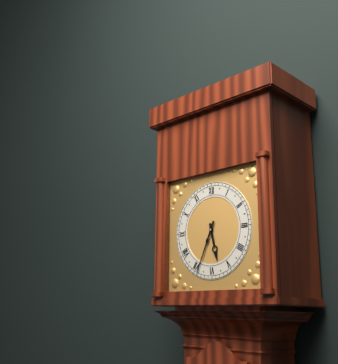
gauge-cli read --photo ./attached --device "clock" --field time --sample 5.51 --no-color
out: 5.34
